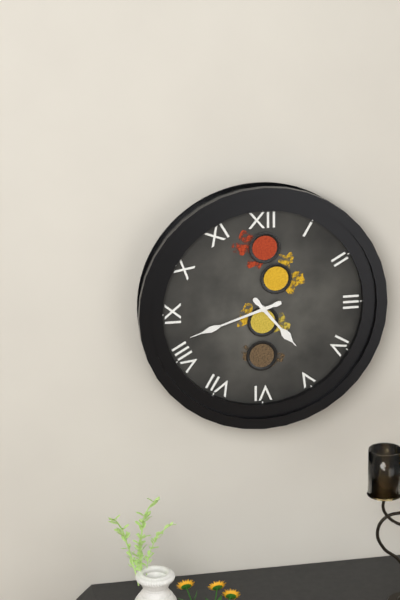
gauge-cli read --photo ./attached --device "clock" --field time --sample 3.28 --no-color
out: 4.42
